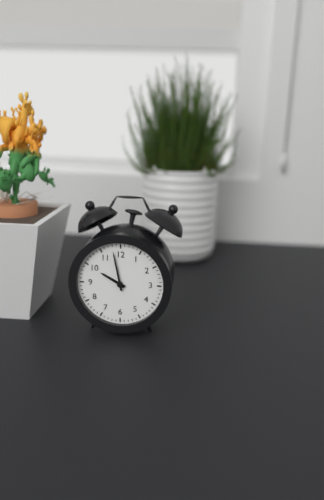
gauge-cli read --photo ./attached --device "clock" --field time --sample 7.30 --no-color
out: 9.58
